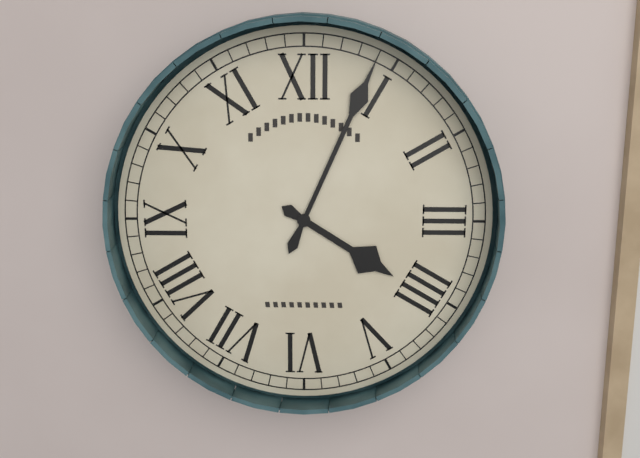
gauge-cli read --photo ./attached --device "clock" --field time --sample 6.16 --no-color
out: 4.04
